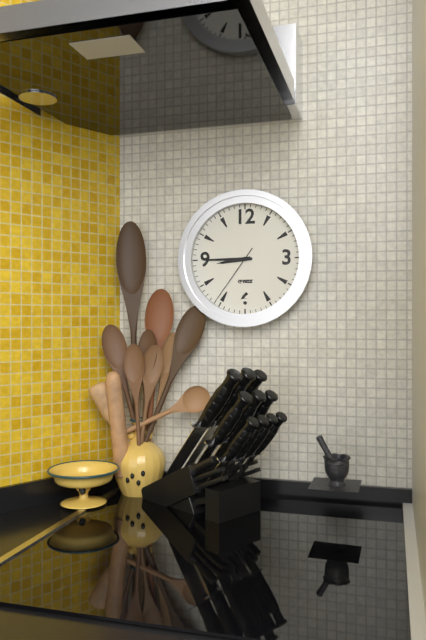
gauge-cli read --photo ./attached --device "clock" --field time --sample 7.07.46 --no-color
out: 8.45.36
